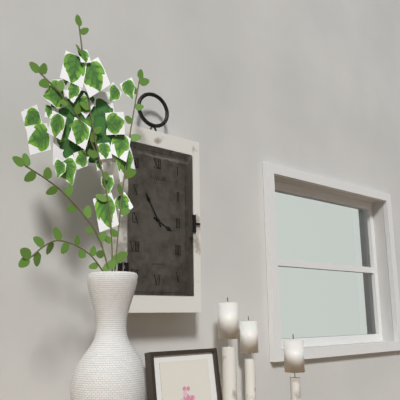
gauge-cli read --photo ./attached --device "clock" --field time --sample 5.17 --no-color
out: 3.55
